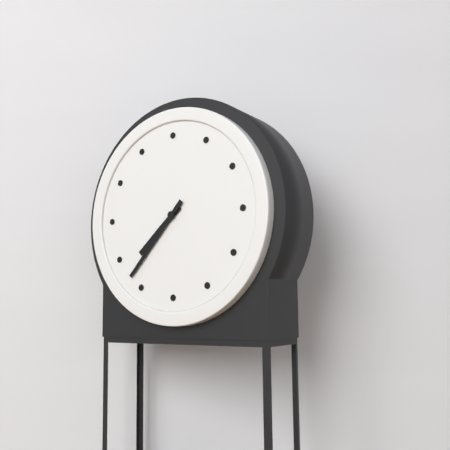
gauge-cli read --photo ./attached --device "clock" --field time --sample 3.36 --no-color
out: 7.37
